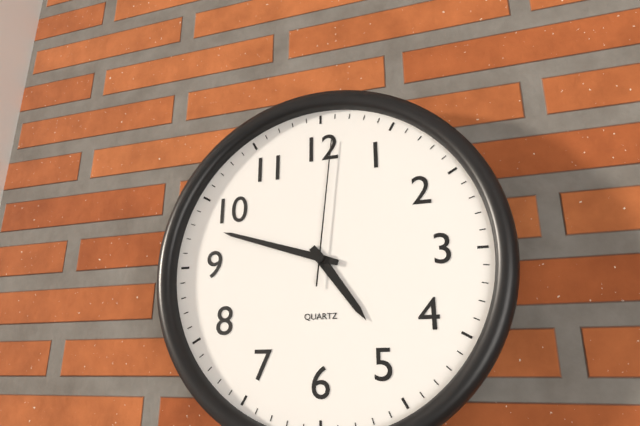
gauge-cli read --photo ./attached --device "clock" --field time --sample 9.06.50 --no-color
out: 4.48.01
